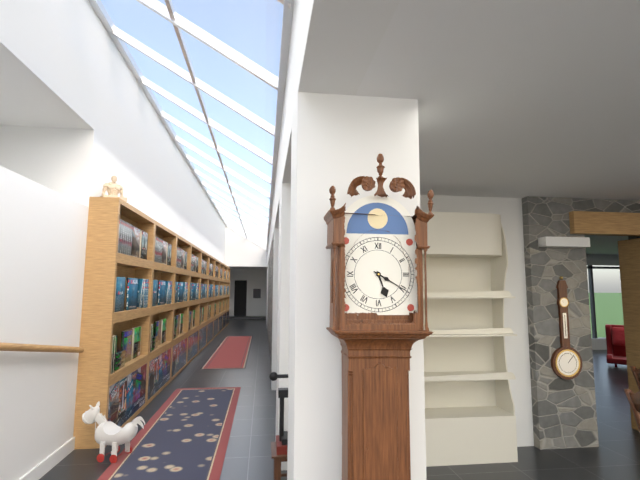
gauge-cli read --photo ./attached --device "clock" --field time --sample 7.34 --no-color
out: 5.20
